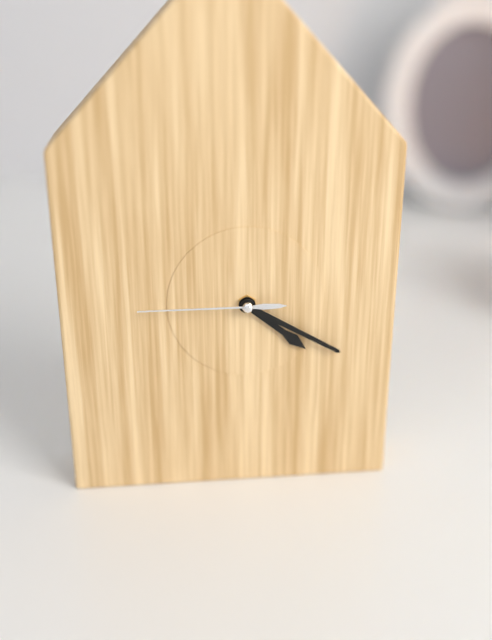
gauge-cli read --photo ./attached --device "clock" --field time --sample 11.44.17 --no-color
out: 4.20.45
